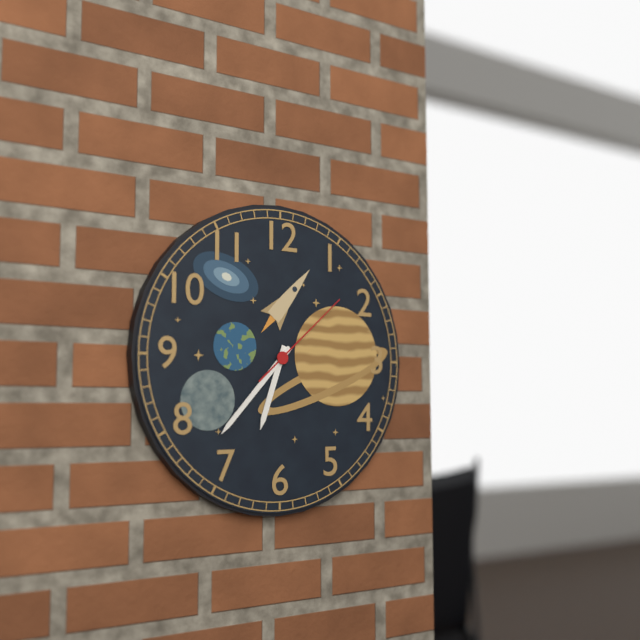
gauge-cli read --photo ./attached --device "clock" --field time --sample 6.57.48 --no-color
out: 6.37.08
